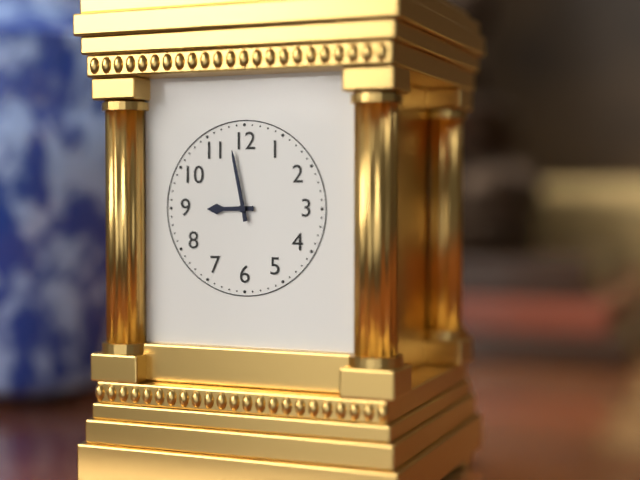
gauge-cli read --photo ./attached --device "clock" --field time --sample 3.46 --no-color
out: 8.58
